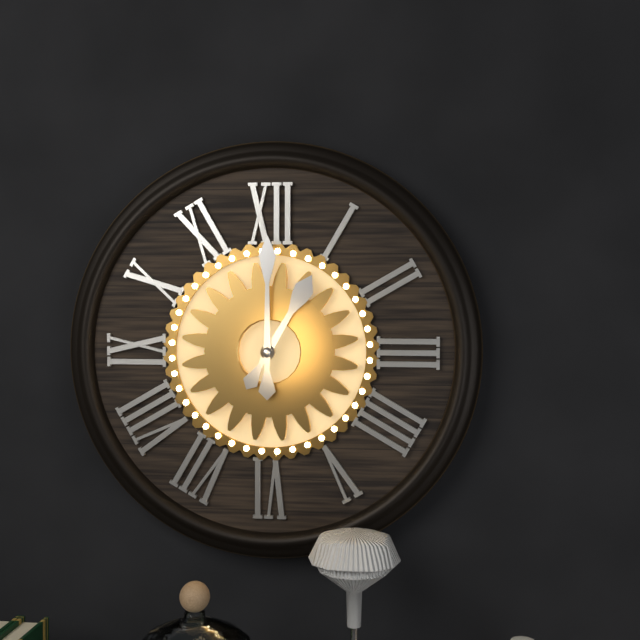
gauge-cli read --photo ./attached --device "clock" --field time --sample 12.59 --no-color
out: 1.00
